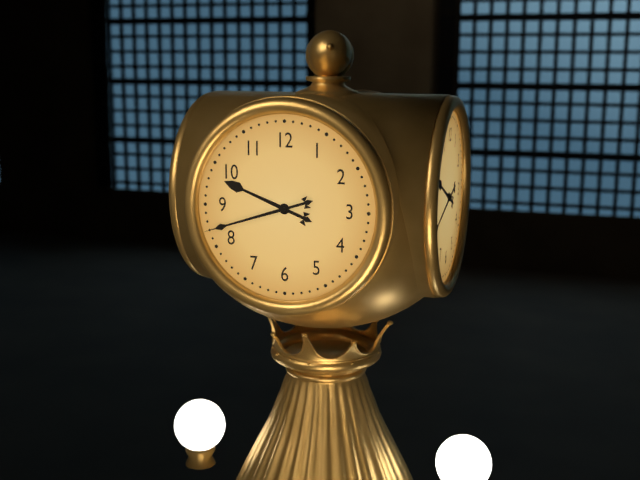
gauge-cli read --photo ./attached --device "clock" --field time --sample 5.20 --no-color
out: 9.42
